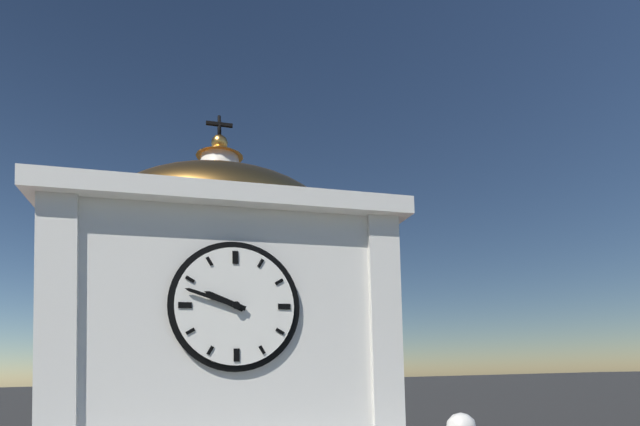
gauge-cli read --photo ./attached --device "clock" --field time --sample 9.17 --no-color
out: 9.48
